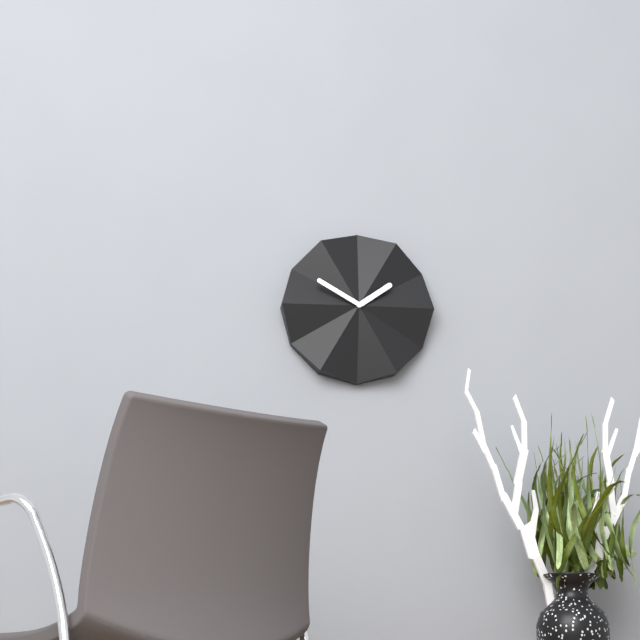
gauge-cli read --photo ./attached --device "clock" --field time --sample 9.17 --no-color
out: 1.50
